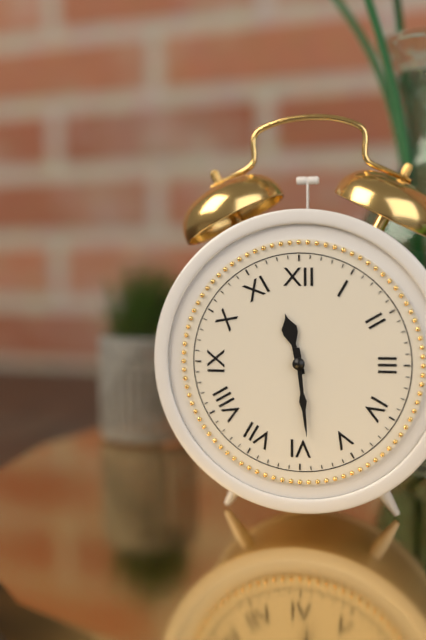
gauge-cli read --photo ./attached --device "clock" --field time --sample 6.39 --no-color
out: 11.29
